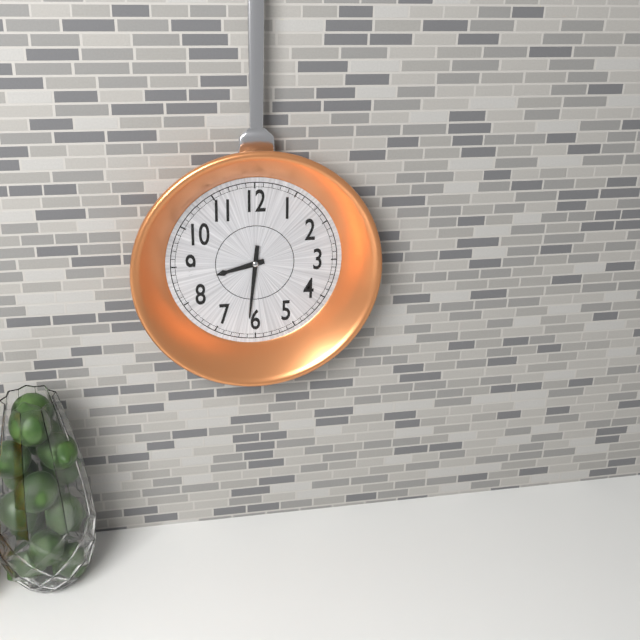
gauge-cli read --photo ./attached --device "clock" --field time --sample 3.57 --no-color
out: 8.31
